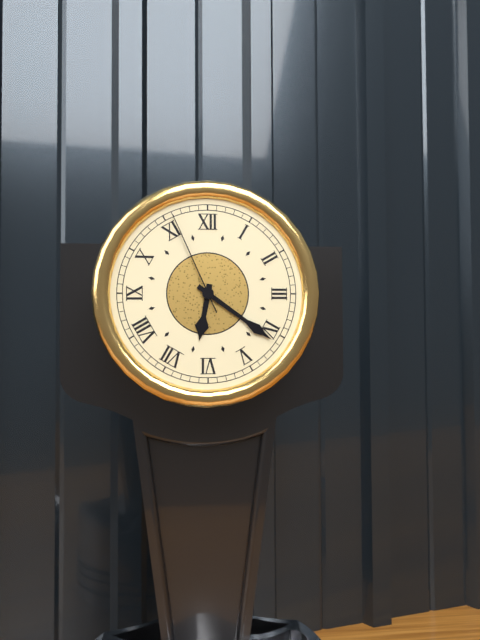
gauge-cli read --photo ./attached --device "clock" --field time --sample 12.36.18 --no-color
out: 6.21.56
